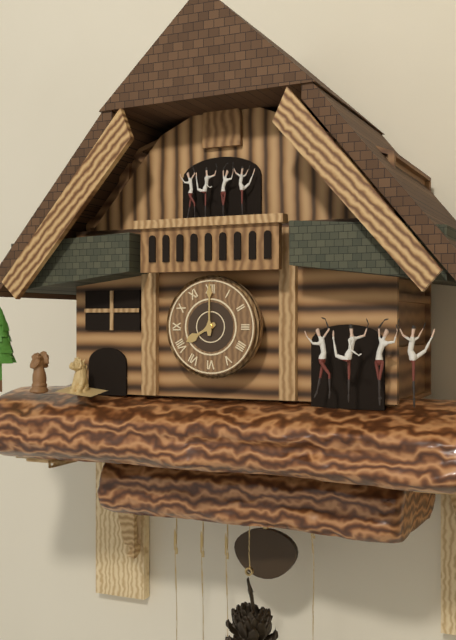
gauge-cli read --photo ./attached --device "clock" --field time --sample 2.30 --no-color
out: 8.00
